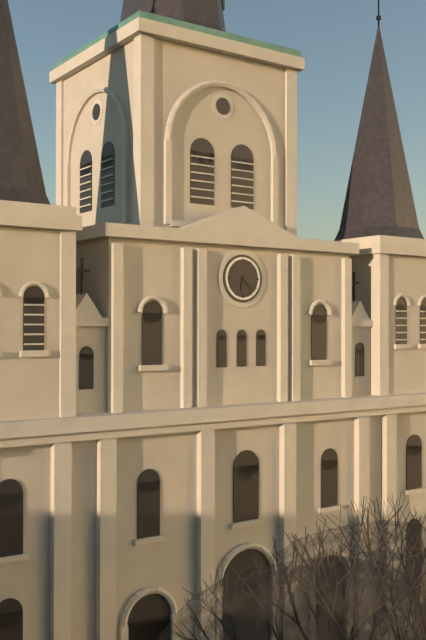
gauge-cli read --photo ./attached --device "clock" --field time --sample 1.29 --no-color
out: 6.22
